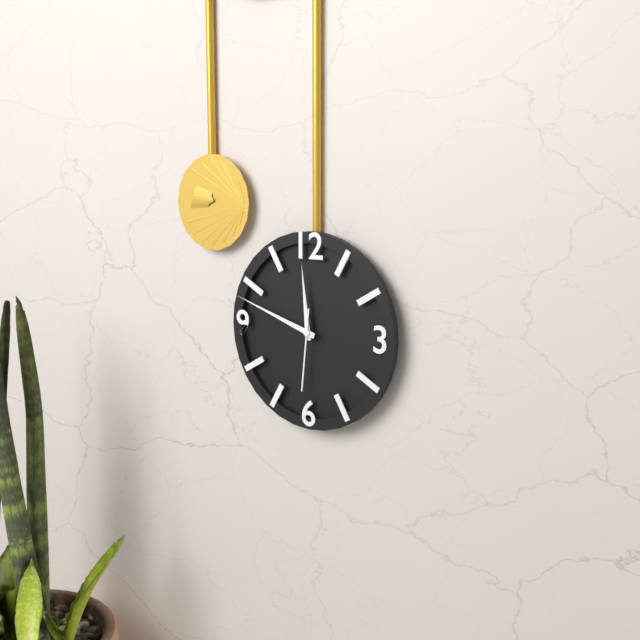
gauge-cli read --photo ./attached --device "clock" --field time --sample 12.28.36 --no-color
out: 11.48.31
